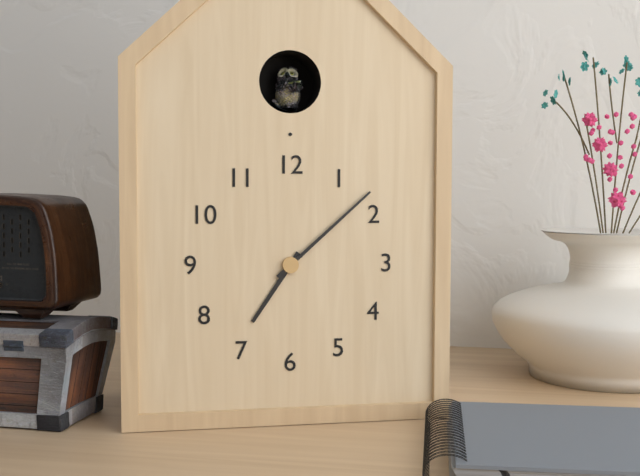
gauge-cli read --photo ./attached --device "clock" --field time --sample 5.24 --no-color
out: 7.08
